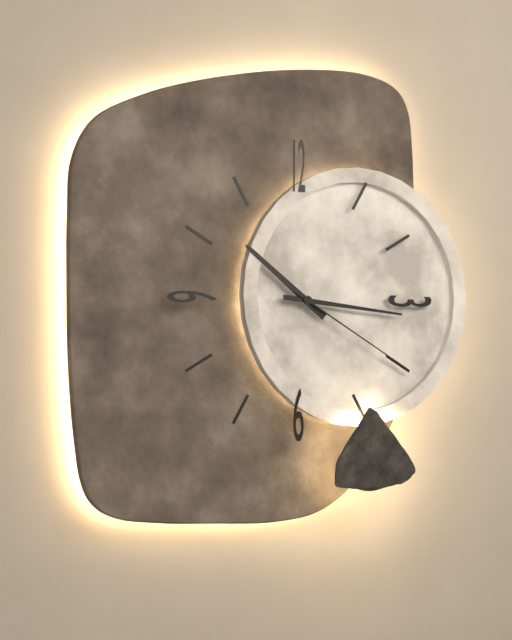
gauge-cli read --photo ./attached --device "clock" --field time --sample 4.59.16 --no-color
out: 10.16.20
